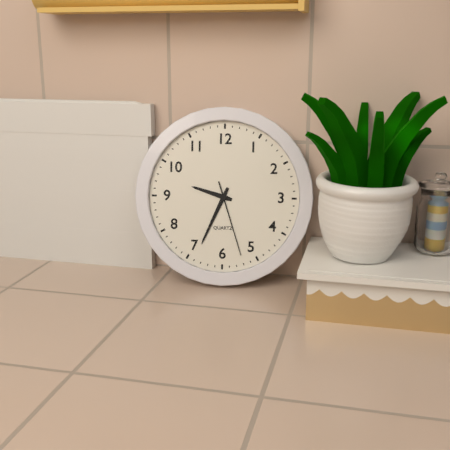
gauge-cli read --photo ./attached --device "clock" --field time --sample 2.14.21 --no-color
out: 9.34.27
